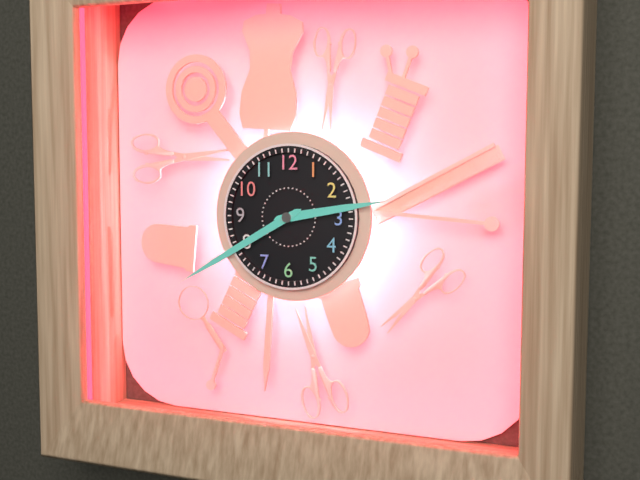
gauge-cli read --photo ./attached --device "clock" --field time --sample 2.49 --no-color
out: 2.40
